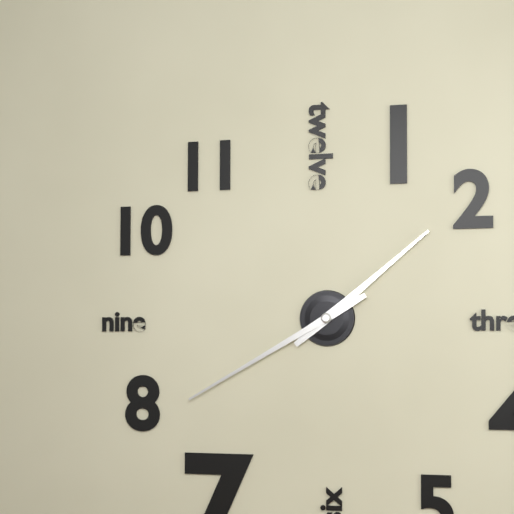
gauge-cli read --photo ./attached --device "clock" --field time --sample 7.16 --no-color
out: 1.40
